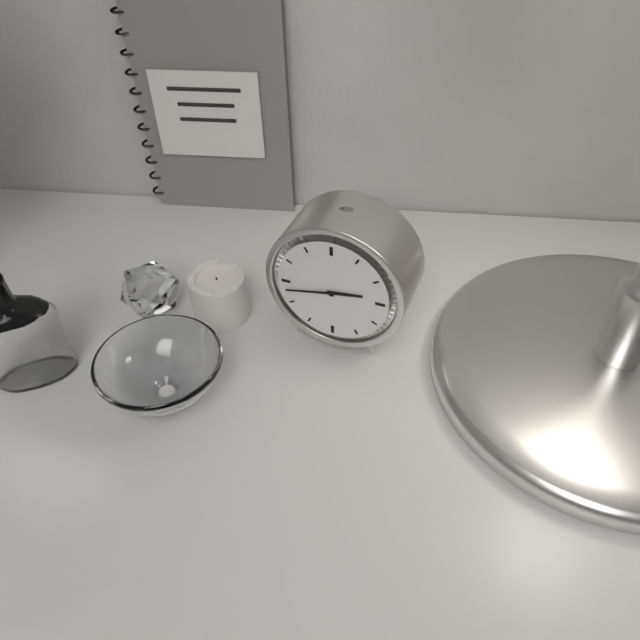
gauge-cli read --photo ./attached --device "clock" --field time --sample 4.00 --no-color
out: 2.43
